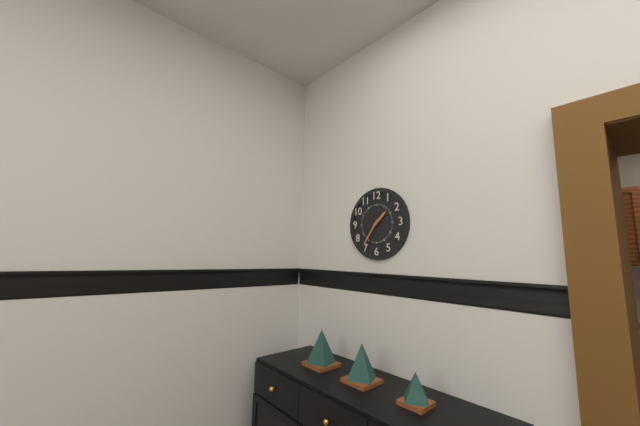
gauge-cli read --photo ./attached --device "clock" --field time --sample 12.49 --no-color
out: 1.36
